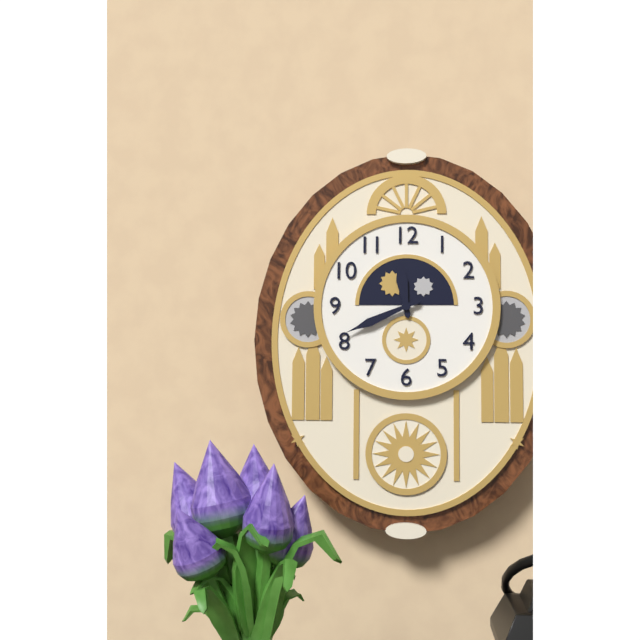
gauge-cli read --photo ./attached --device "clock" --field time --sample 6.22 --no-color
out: 11.41
